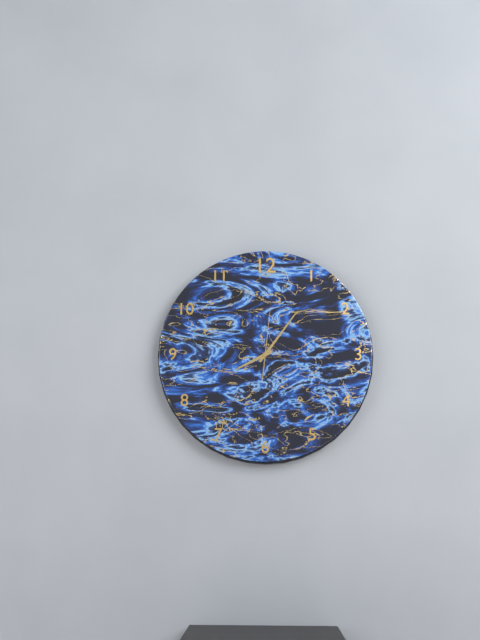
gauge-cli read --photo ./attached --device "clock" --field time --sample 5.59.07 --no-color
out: 8.06.01
